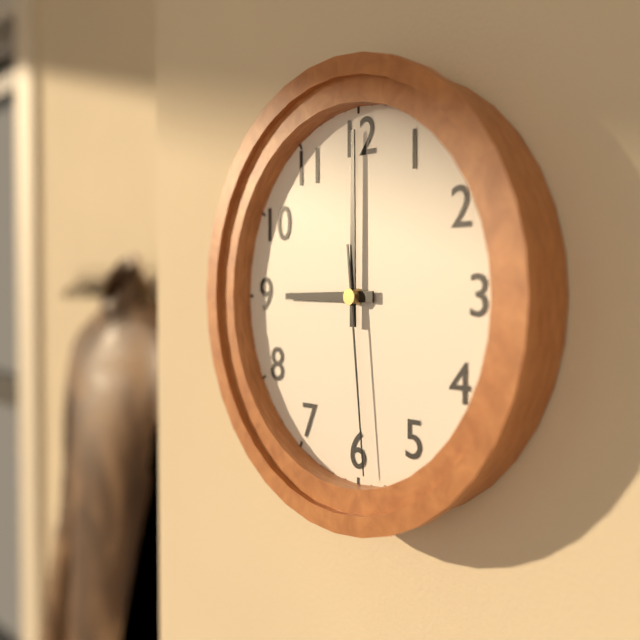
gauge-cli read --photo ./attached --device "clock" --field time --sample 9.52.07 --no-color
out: 9.00.29
